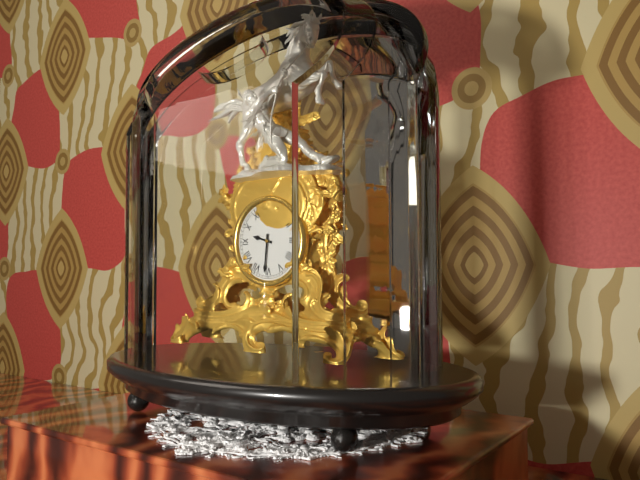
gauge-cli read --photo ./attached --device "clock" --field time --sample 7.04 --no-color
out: 9.31
